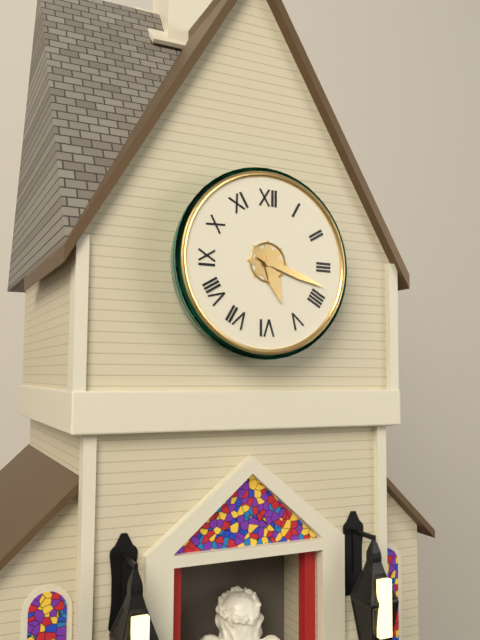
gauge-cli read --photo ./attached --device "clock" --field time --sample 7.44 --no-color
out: 5.18
